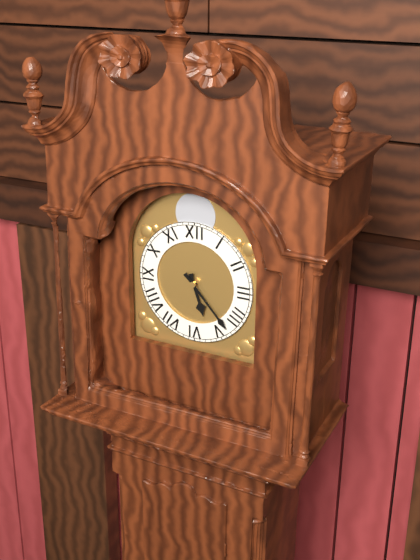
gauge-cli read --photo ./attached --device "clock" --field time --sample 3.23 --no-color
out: 5.23
